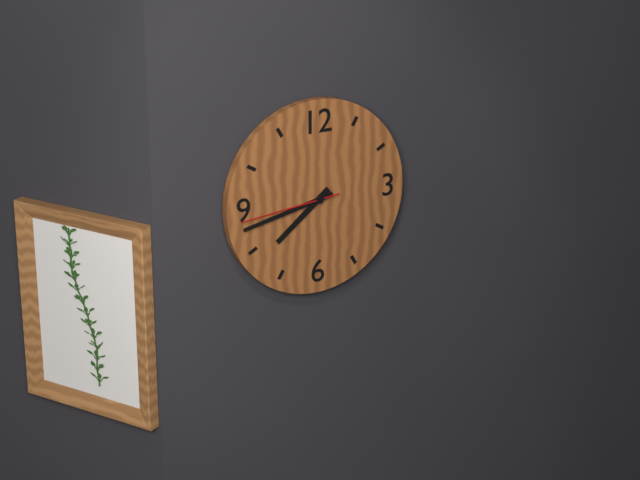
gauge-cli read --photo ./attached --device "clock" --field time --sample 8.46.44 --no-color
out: 7.43.44
